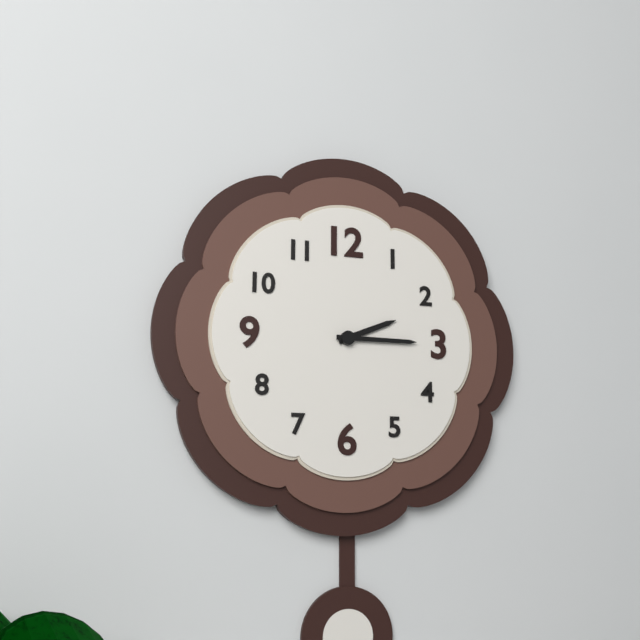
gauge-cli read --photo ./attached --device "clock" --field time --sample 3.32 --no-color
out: 2.15
